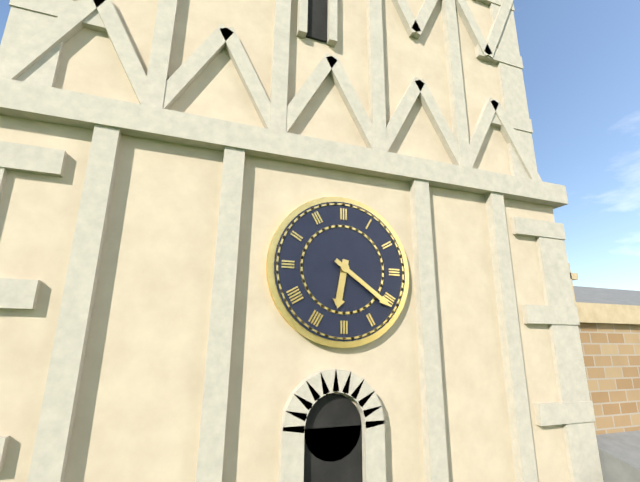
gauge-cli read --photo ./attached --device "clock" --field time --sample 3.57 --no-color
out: 6.21
